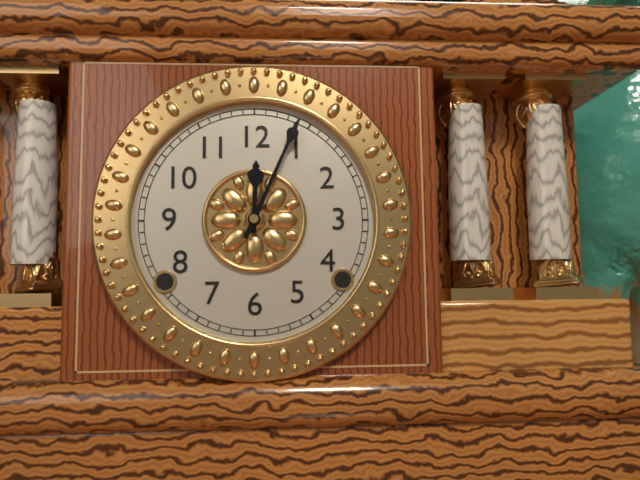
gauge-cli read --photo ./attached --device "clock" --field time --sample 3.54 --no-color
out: 12.04
